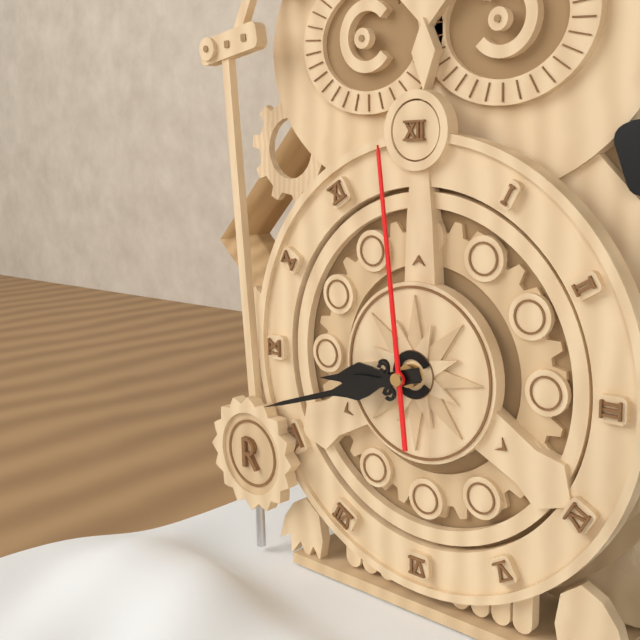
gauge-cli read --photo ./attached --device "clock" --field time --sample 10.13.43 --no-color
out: 8.42.59
